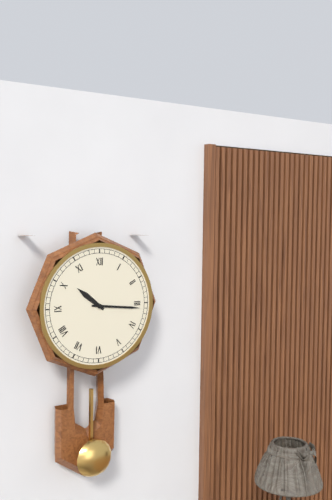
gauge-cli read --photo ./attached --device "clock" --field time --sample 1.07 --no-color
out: 10.16
